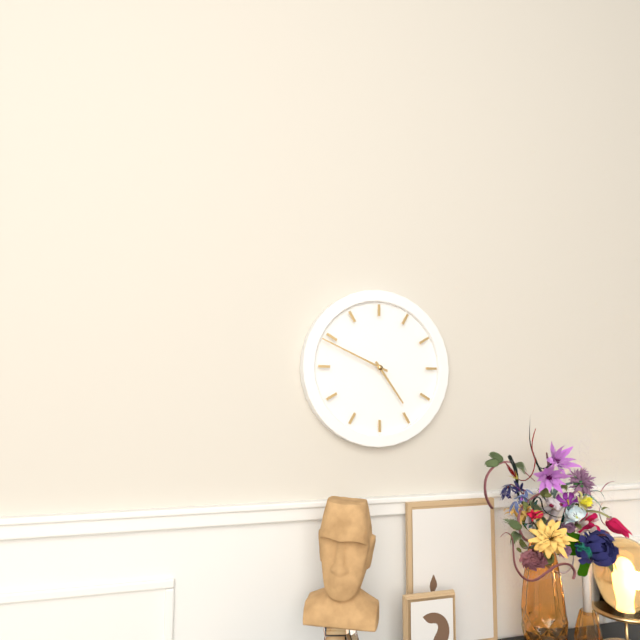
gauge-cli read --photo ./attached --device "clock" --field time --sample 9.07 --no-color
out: 4.49
